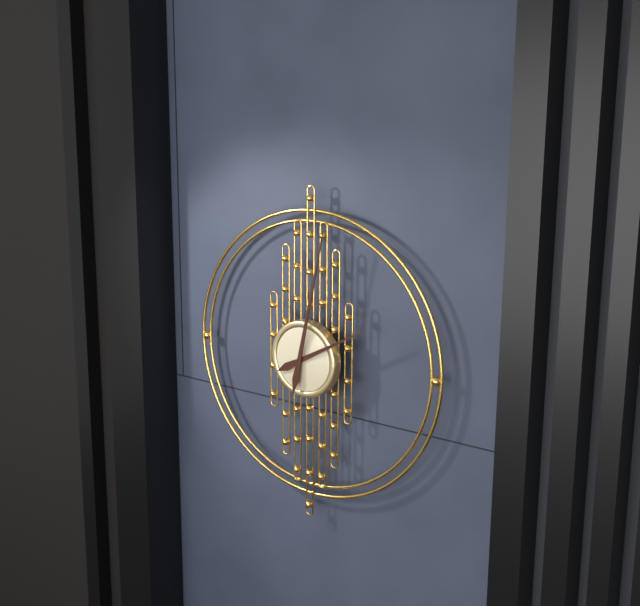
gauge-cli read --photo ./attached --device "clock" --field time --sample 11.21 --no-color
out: 2.02
